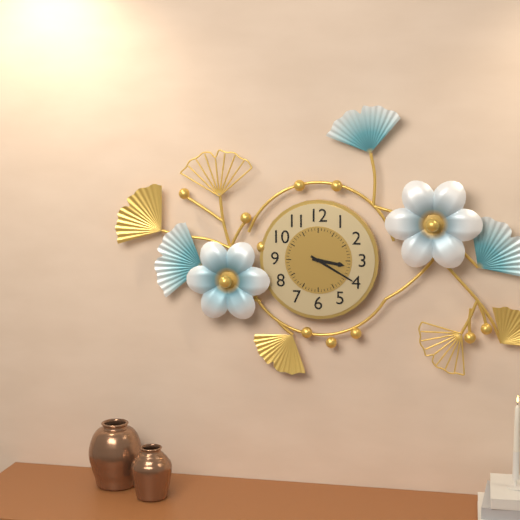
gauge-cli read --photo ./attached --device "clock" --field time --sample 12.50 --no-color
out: 3.20
